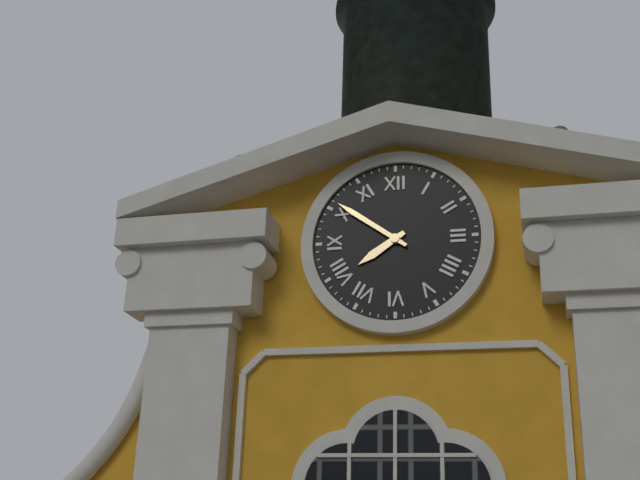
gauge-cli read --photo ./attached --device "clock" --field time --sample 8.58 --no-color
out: 7.51
